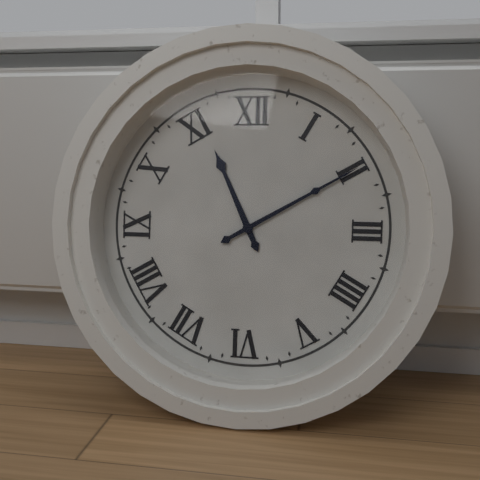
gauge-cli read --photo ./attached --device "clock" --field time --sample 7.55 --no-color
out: 11.10
